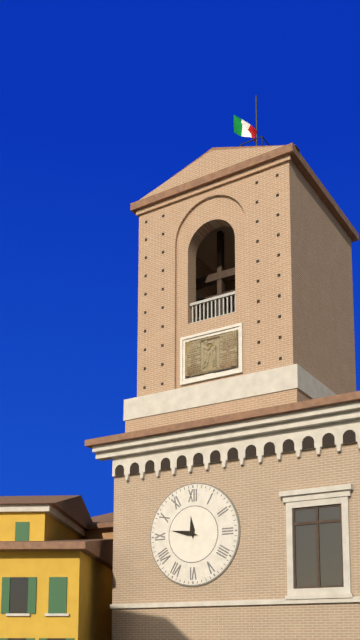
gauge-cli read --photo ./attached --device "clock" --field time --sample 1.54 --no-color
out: 11.47
